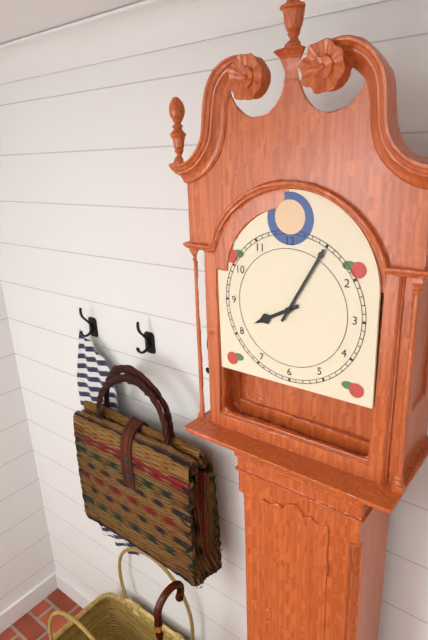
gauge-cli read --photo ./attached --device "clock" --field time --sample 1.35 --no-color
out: 8.05
